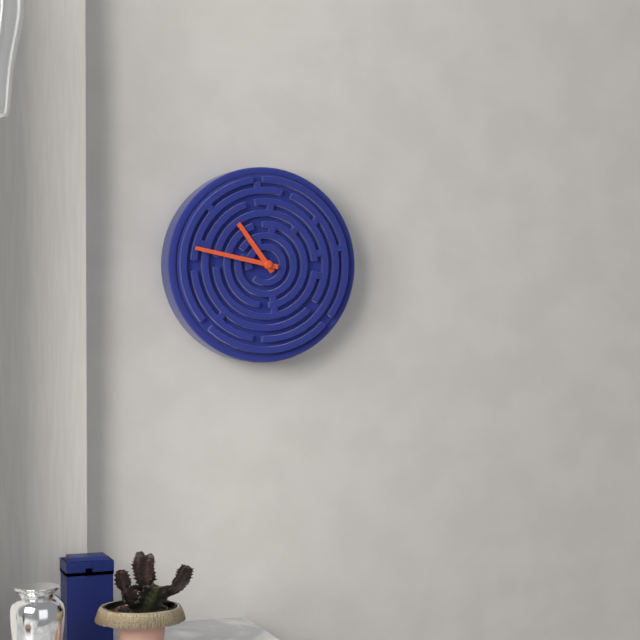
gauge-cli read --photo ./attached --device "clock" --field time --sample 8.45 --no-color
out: 10.47
